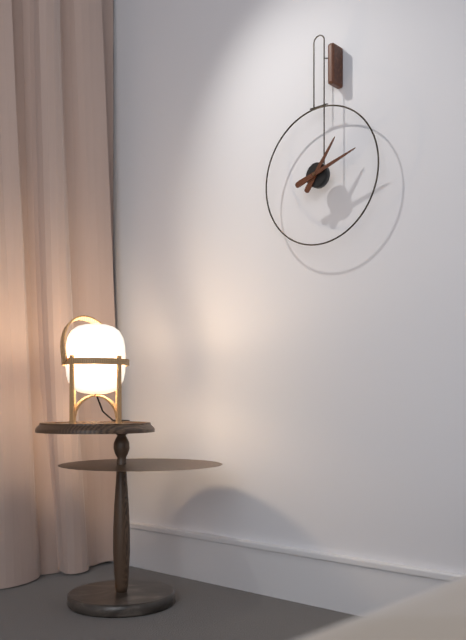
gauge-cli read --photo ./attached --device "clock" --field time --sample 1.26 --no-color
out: 1.12
